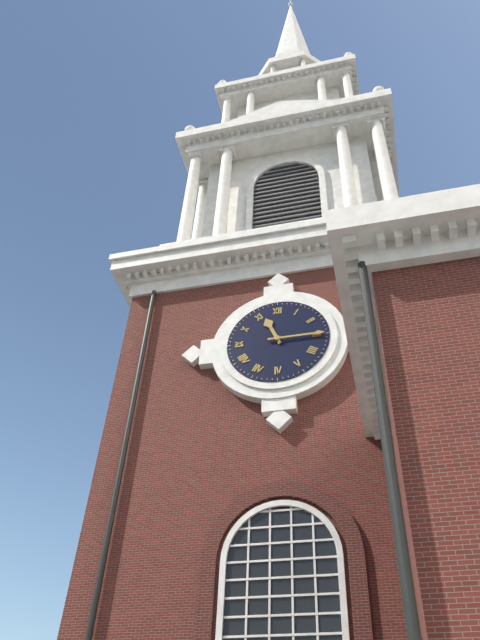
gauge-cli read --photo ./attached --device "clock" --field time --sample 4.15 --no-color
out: 11.15
